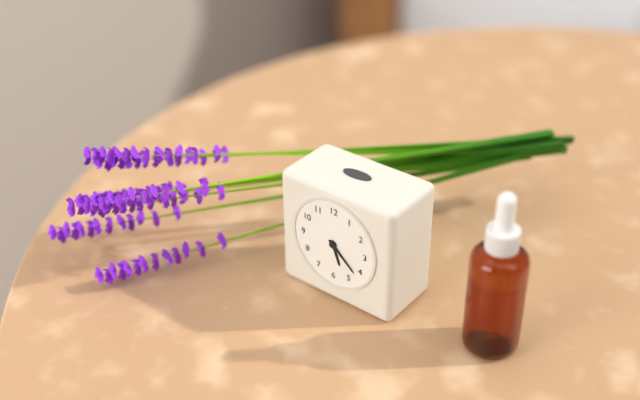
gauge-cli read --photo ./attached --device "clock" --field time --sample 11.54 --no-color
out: 5.22
